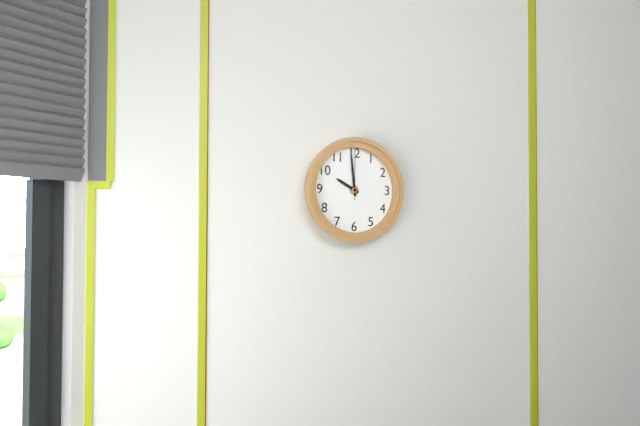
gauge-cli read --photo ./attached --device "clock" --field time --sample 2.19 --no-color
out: 9.59
